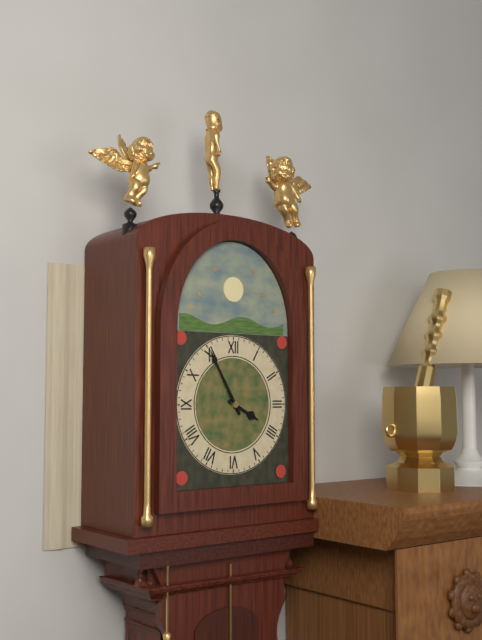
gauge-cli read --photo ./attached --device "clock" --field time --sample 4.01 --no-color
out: 3.55
